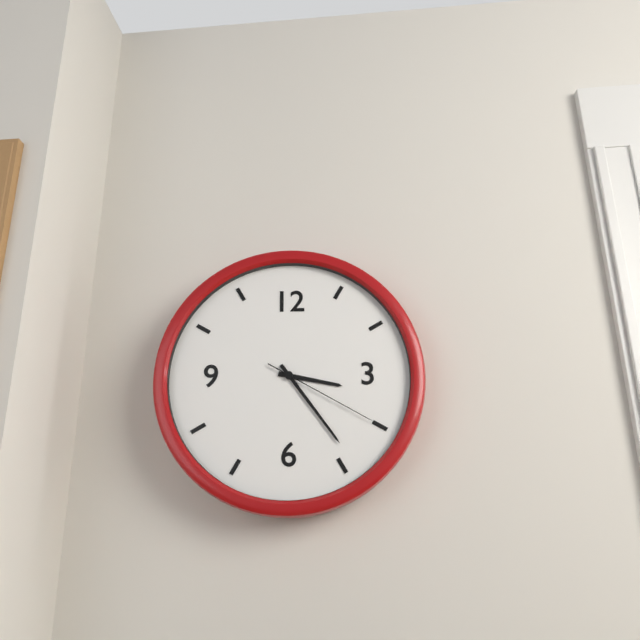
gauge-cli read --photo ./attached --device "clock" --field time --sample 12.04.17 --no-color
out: 3.24.20
